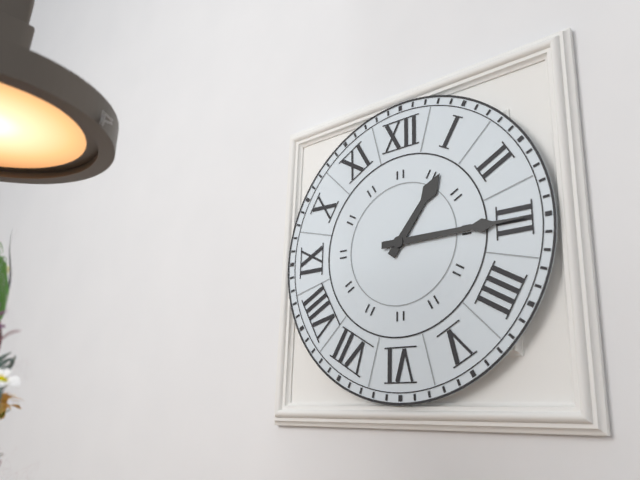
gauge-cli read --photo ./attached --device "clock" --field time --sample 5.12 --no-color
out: 1.15
